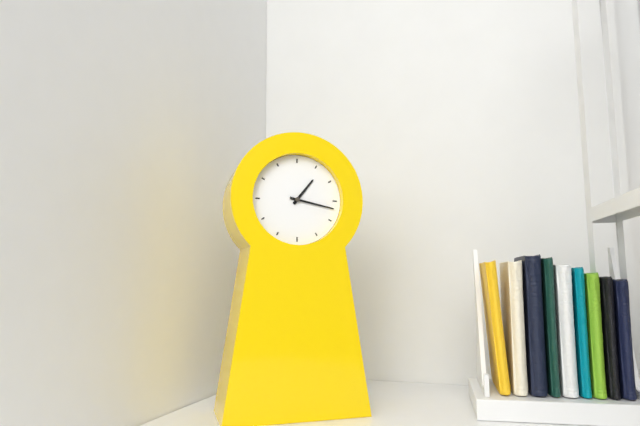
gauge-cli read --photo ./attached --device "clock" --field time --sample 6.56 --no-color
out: 1.17
